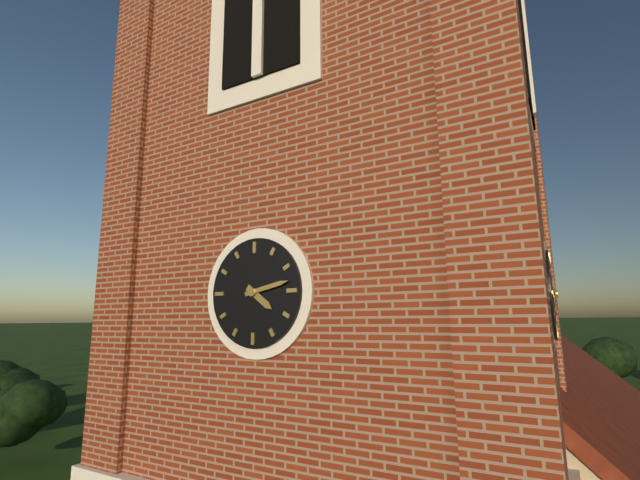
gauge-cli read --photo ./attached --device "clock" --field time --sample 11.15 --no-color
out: 4.13
